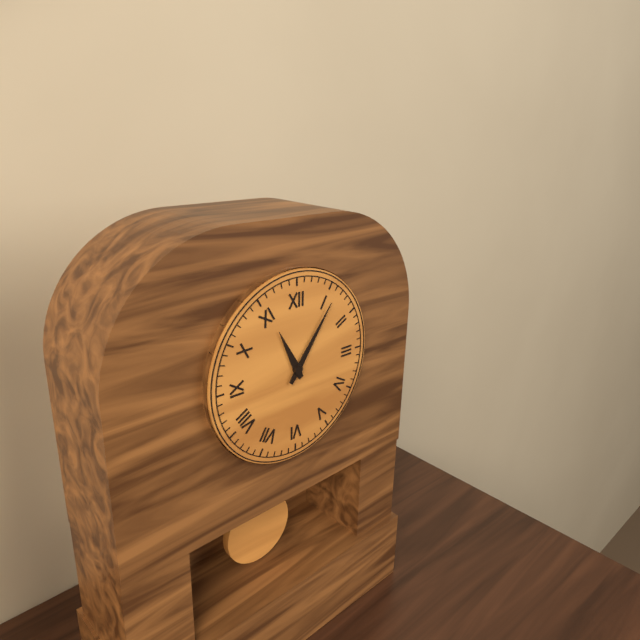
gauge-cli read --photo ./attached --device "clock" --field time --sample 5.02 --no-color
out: 11.06
